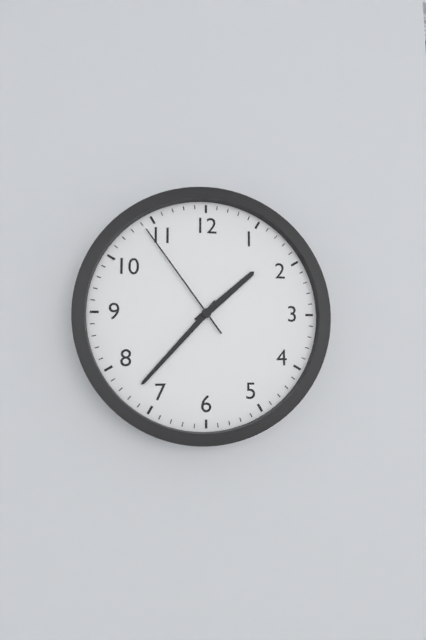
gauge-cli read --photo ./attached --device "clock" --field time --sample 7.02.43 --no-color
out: 1.37.54
